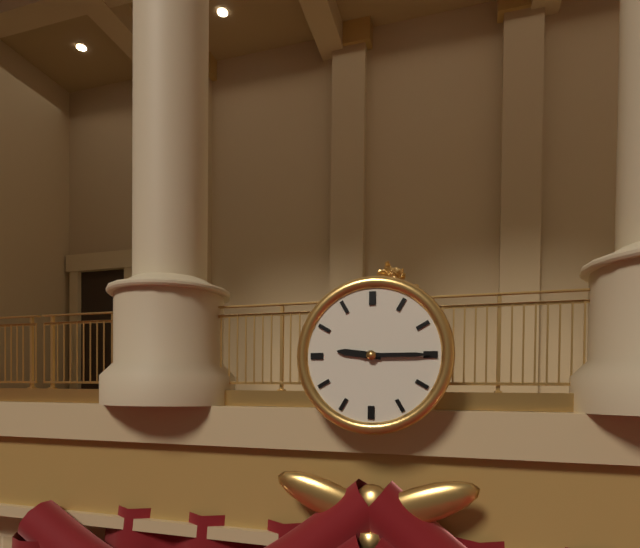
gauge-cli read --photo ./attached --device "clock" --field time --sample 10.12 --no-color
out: 9.15
